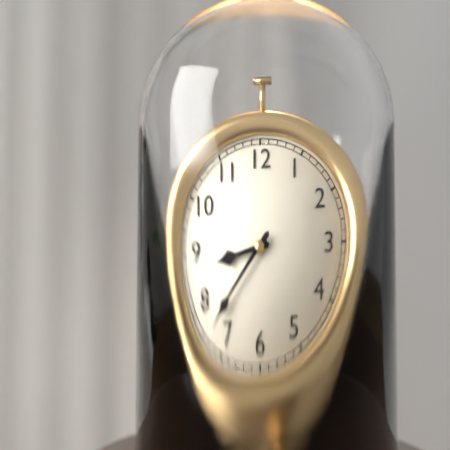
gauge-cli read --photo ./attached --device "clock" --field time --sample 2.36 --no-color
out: 8.37
